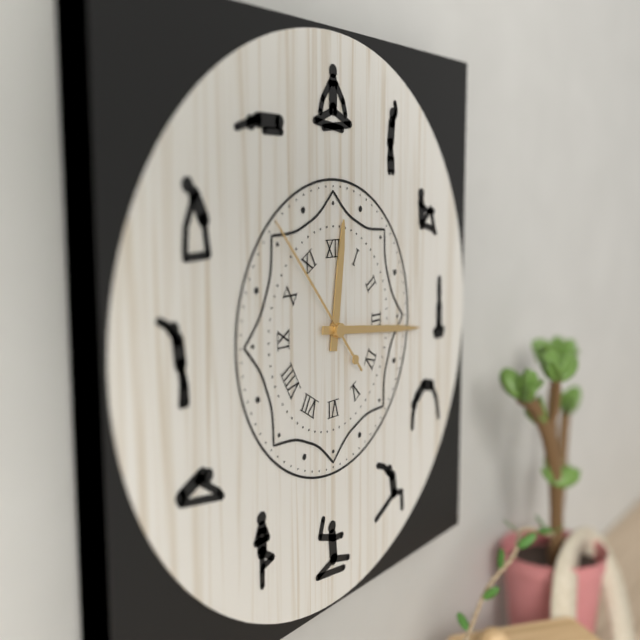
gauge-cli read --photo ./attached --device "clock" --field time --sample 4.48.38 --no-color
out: 12.16.53
